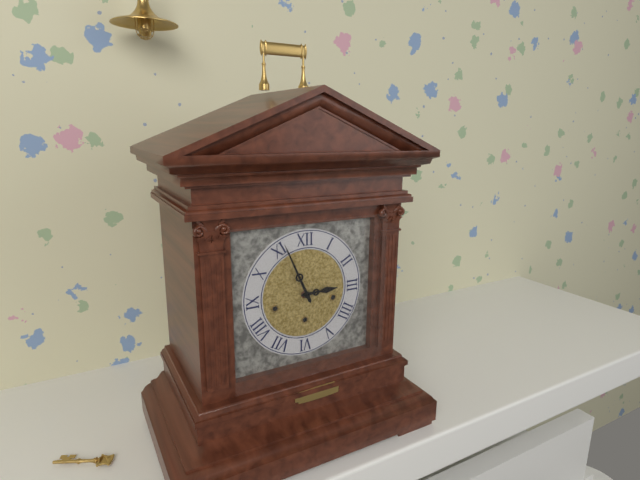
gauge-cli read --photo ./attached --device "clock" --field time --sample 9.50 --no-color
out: 2.56
